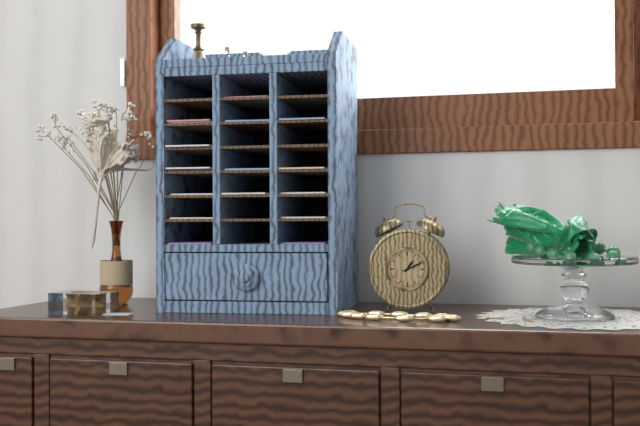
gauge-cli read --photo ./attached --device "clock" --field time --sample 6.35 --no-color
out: 1.11
